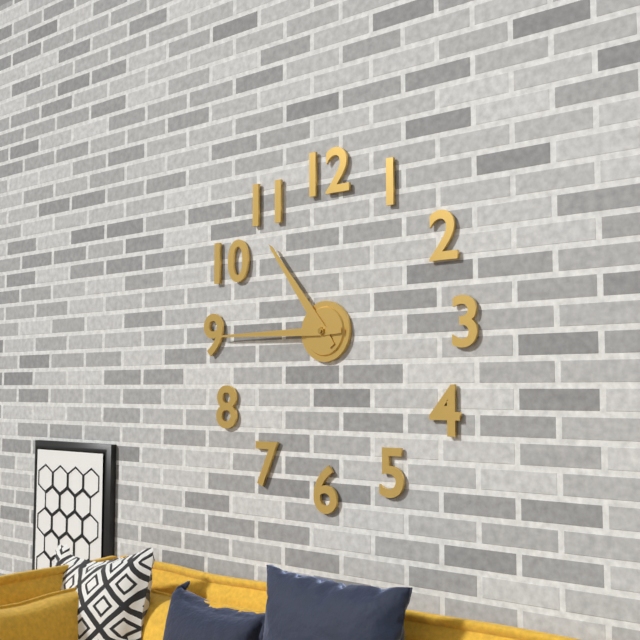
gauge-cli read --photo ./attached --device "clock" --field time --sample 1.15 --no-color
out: 10.45
